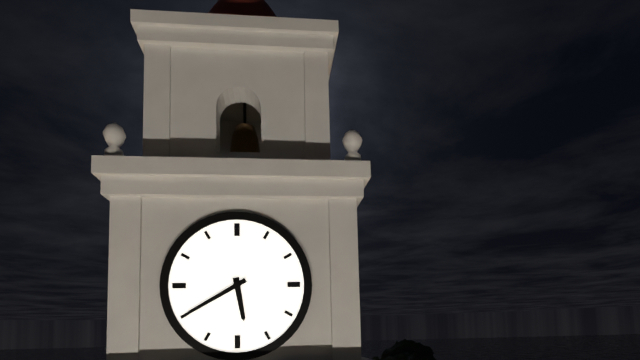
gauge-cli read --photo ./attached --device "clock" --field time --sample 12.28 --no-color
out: 5.40
